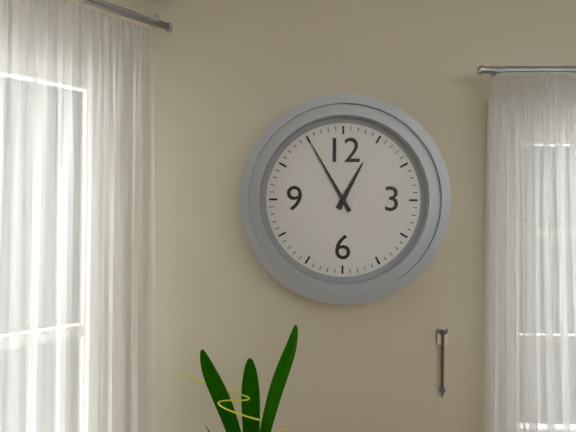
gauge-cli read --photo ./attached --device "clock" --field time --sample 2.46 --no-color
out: 12.55
